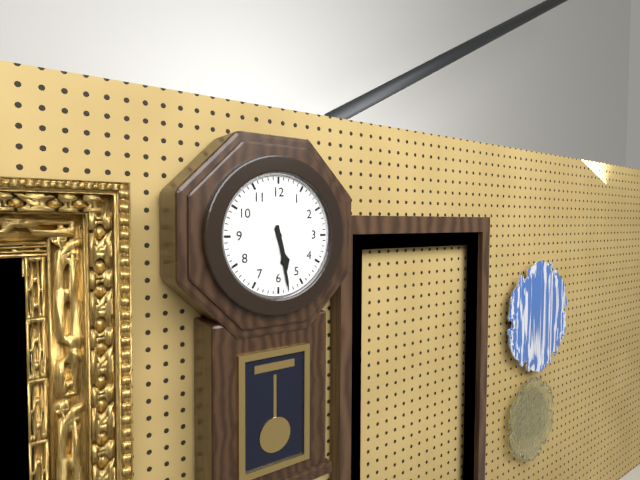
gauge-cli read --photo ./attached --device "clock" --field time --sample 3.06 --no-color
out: 5.28
